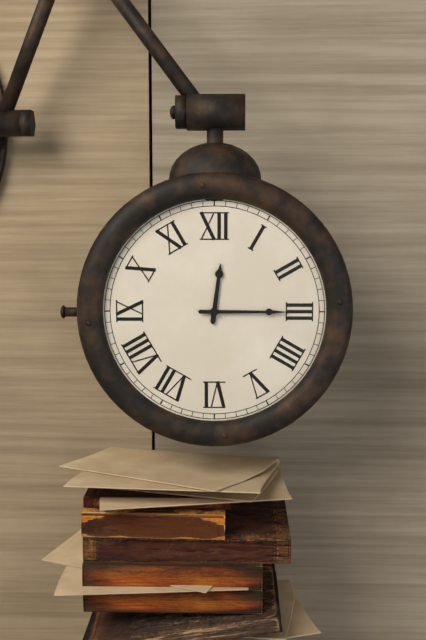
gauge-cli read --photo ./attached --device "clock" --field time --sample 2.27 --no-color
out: 12.15
